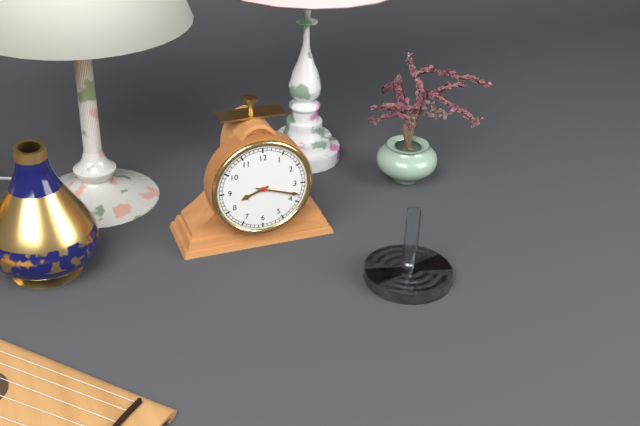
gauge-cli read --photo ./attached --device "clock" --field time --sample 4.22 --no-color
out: 8.18
